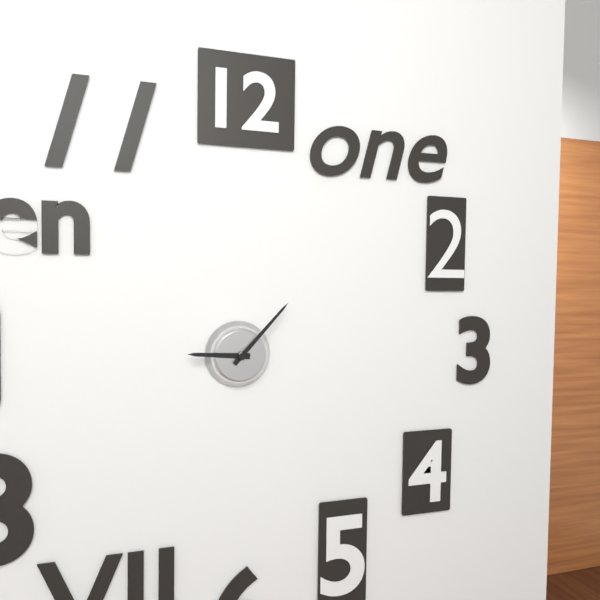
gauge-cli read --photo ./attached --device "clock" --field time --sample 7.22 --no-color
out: 9.07
